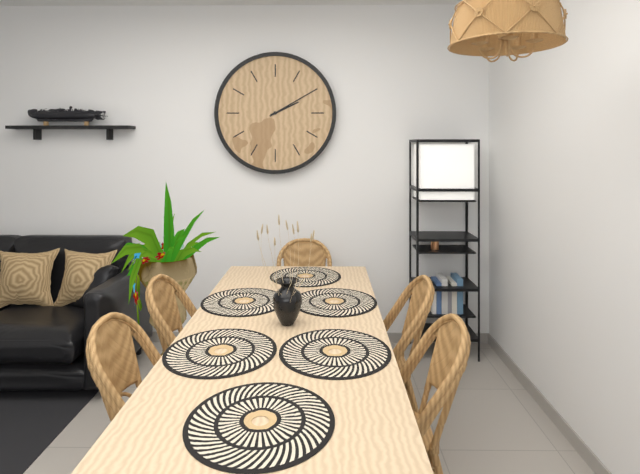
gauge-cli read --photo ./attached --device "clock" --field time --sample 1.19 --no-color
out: 2.10
